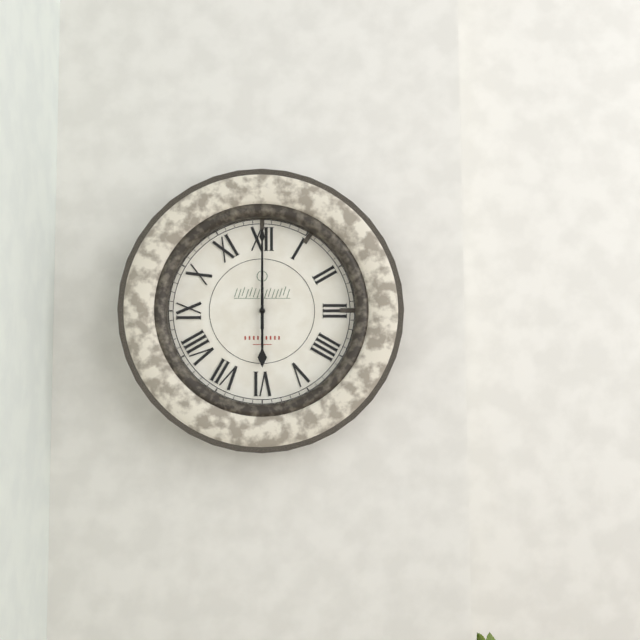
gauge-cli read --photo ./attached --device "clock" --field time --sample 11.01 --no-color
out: 6.00
